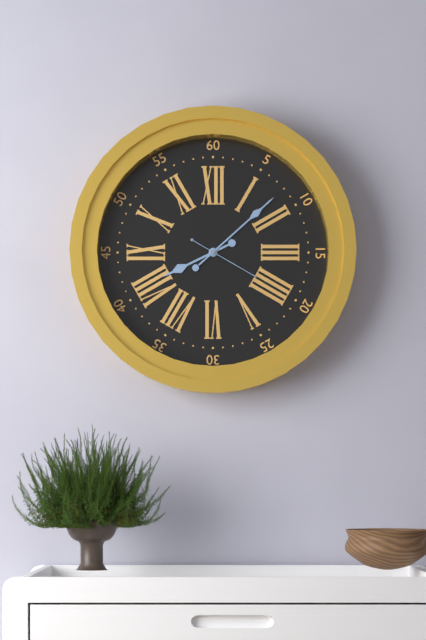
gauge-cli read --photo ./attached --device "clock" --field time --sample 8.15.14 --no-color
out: 8.08.20
